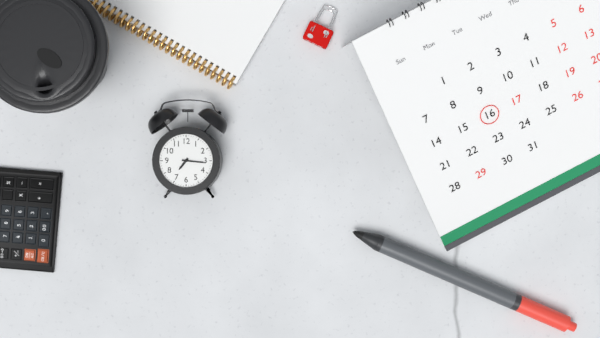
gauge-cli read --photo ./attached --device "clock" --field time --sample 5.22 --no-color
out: 7.16
